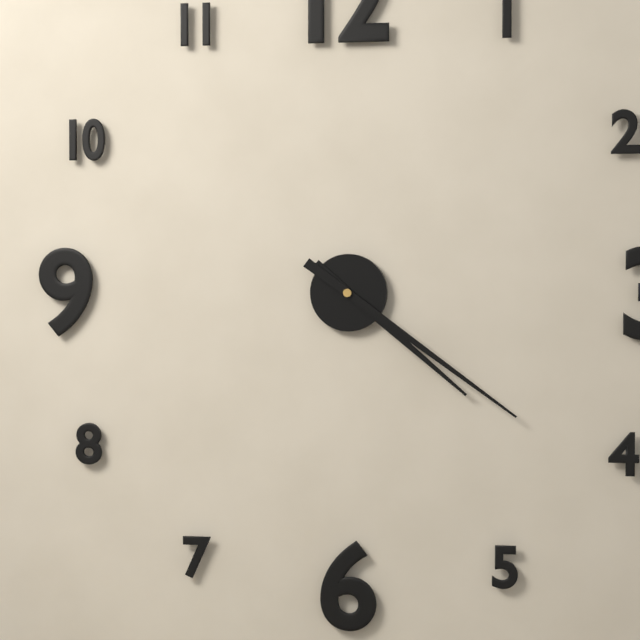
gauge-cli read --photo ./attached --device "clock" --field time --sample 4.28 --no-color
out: 4.21
